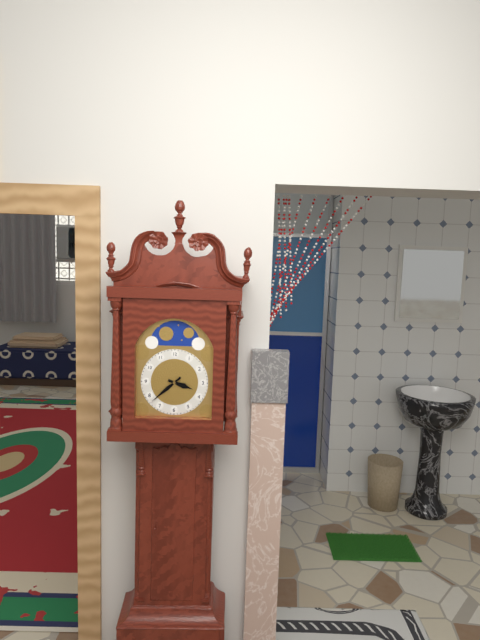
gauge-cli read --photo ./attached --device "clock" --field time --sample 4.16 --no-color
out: 3.38
